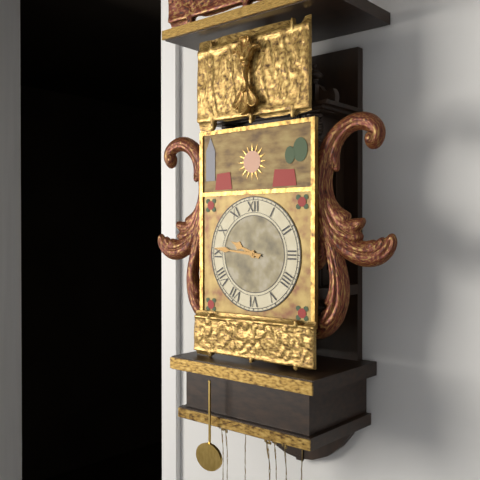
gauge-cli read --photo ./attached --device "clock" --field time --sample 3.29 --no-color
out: 9.46
